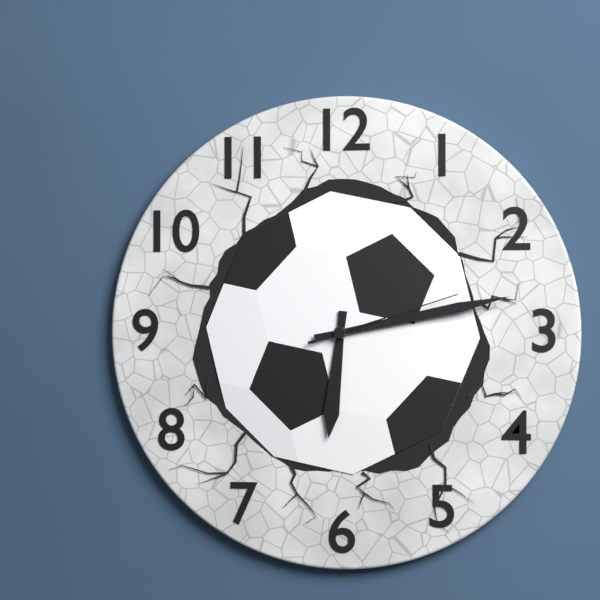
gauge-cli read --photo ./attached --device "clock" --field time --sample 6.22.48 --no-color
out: 6.13.12
